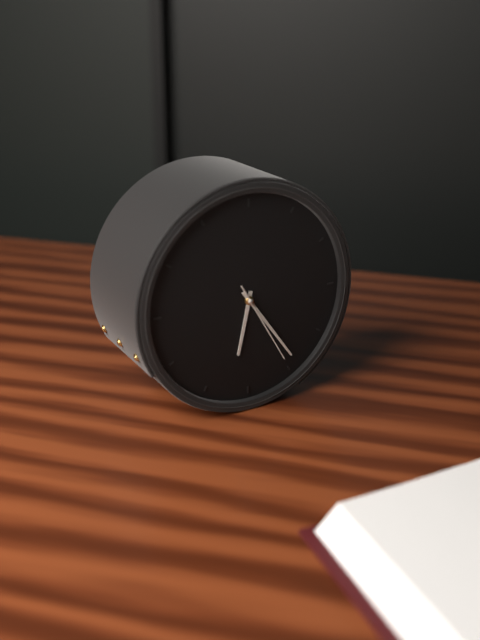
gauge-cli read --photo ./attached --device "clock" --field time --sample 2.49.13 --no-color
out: 6.24.25
